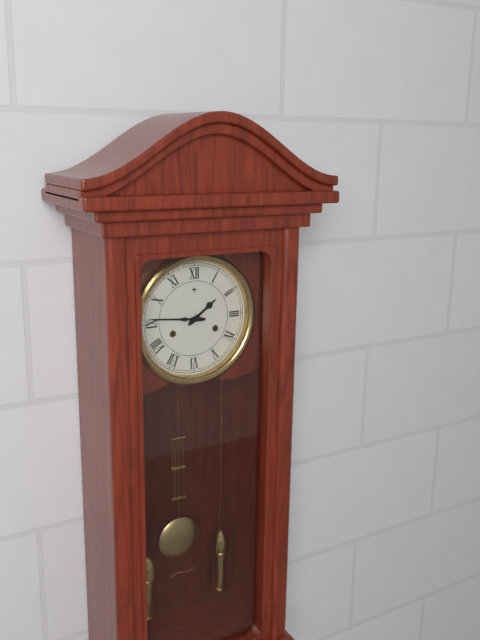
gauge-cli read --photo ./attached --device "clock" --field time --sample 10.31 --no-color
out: 1.46
